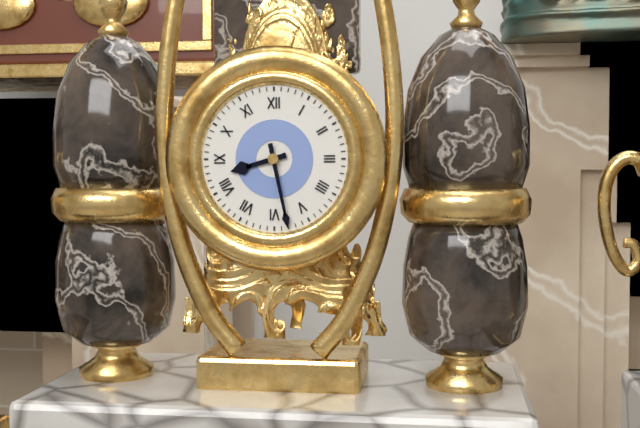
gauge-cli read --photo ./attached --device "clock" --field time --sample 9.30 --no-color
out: 8.28
